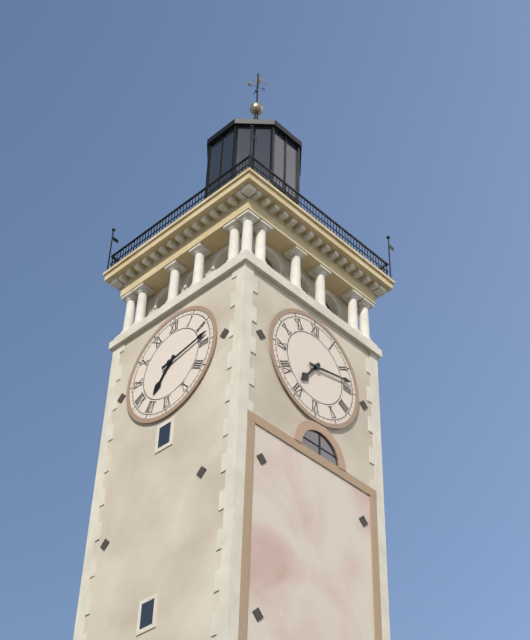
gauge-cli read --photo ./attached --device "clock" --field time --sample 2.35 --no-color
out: 7.13
